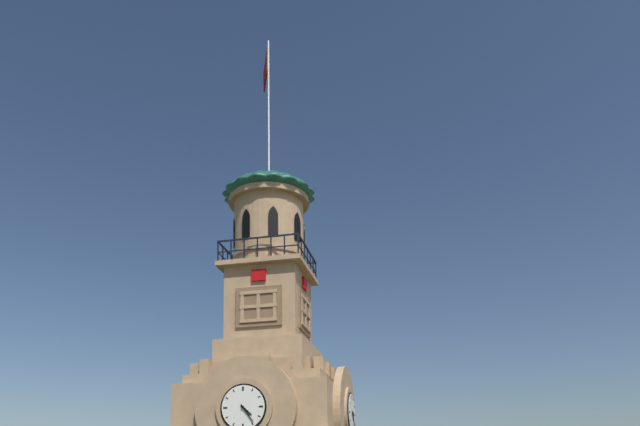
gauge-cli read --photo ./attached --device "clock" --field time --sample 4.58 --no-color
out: 4.24
